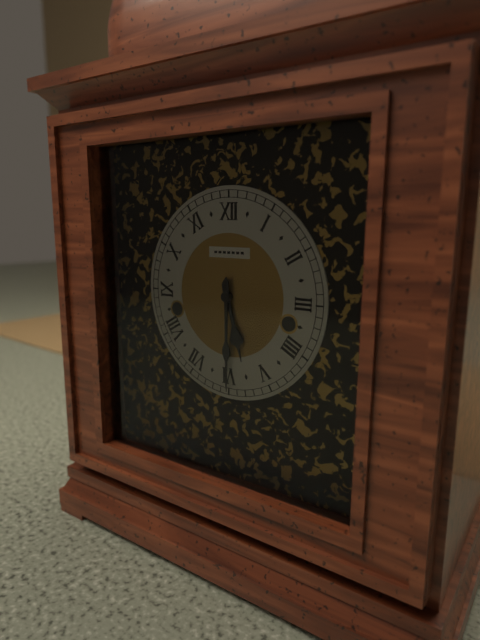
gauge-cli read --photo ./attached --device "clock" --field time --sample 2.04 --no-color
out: 5.30
